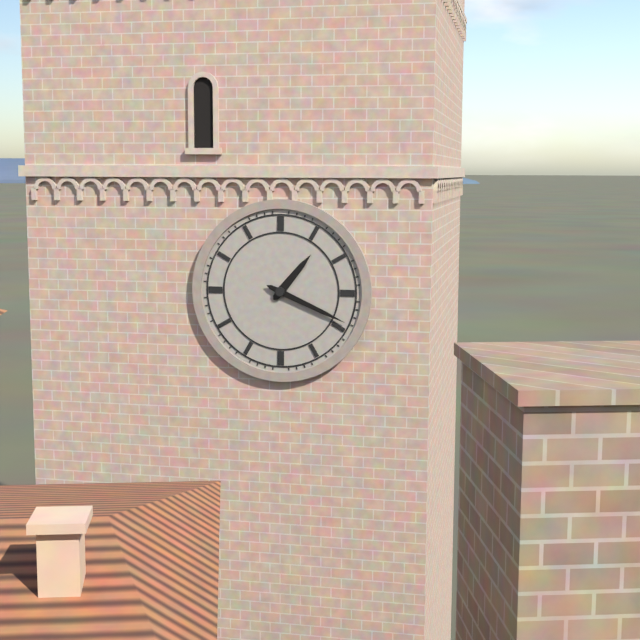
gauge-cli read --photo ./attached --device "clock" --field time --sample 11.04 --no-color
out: 1.19
